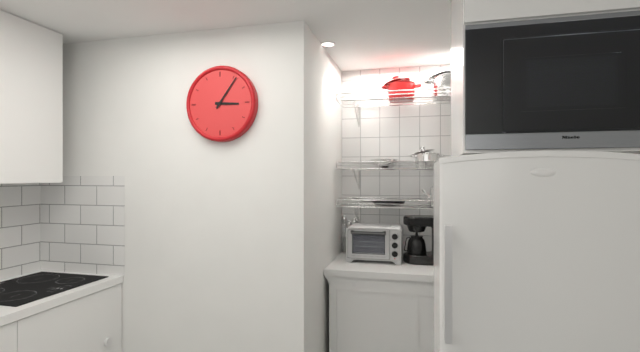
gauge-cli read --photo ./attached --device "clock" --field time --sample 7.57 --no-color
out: 3.06
